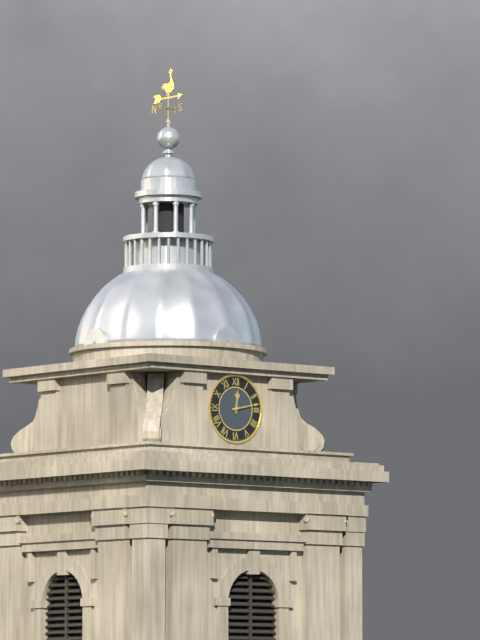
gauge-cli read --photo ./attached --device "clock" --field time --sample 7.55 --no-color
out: 12.13
